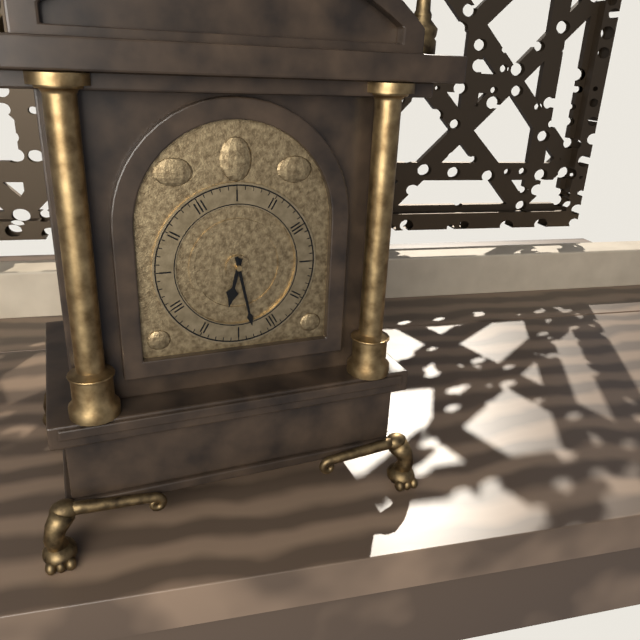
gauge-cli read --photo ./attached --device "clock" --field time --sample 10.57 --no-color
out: 6.28
